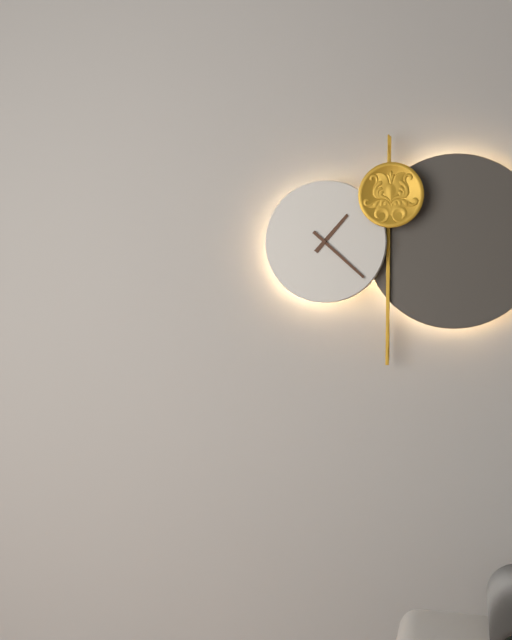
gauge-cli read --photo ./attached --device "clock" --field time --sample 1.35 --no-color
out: 1.22
